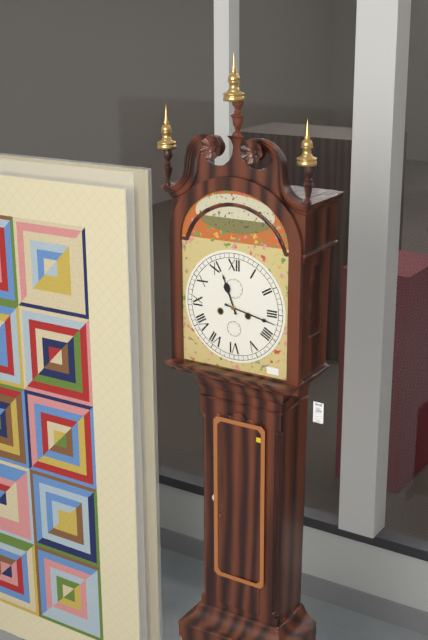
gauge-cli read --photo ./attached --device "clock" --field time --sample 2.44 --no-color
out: 11.17
